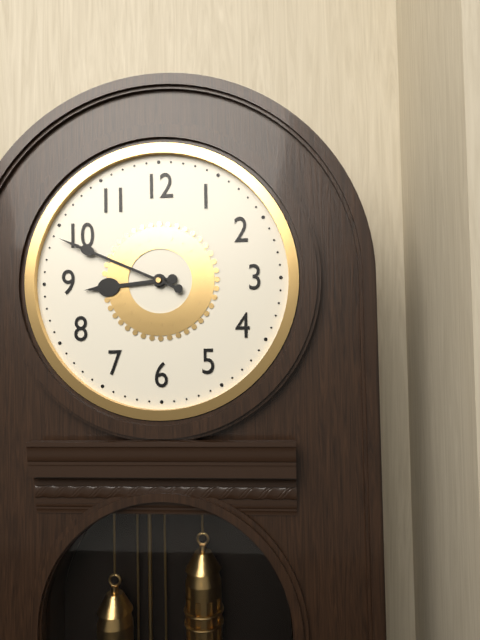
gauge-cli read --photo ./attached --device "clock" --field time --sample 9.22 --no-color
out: 8.49
